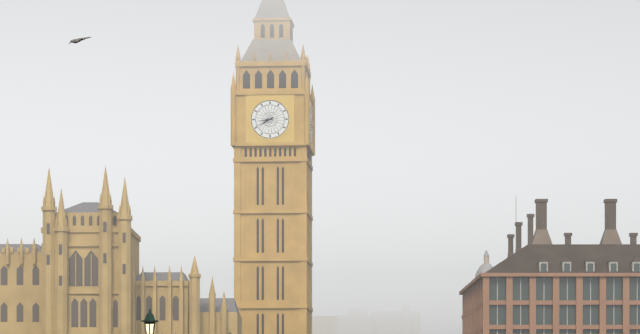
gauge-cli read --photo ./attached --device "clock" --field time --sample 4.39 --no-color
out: 8.40
